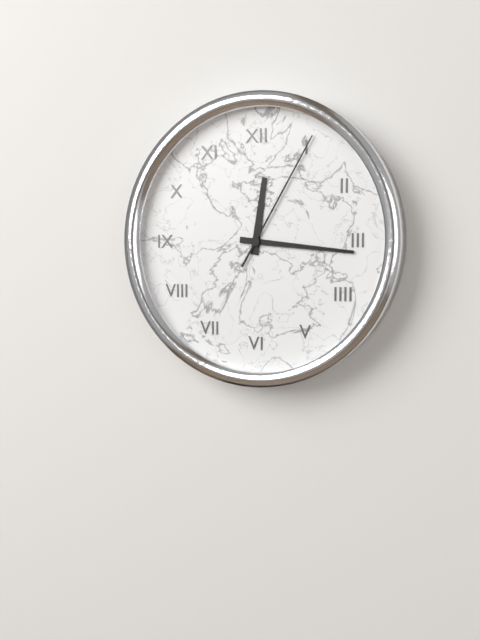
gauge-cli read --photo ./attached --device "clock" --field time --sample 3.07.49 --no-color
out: 12.16.05
